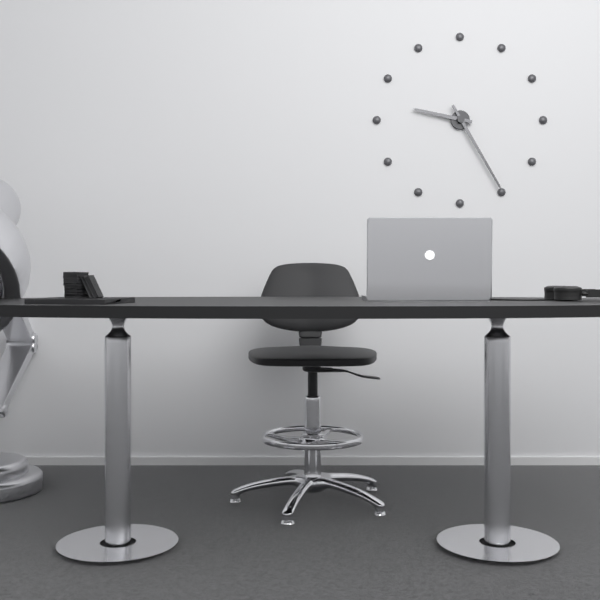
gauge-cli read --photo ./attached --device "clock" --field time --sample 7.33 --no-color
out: 9.25
